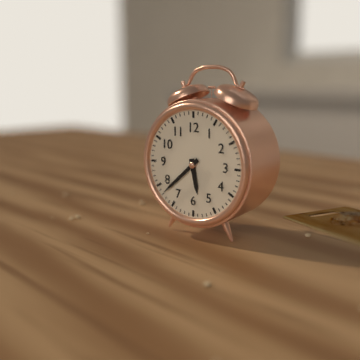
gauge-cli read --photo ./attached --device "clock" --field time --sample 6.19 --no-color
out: 5.38
